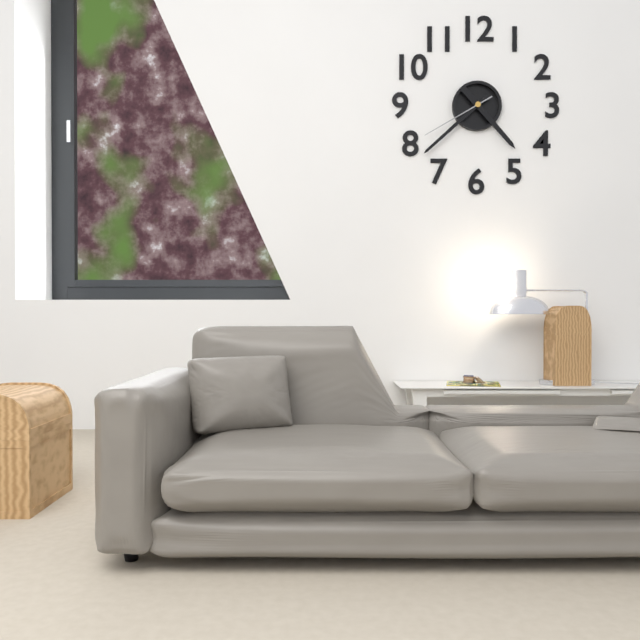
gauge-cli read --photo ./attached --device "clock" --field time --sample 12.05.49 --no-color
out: 4.38.40
